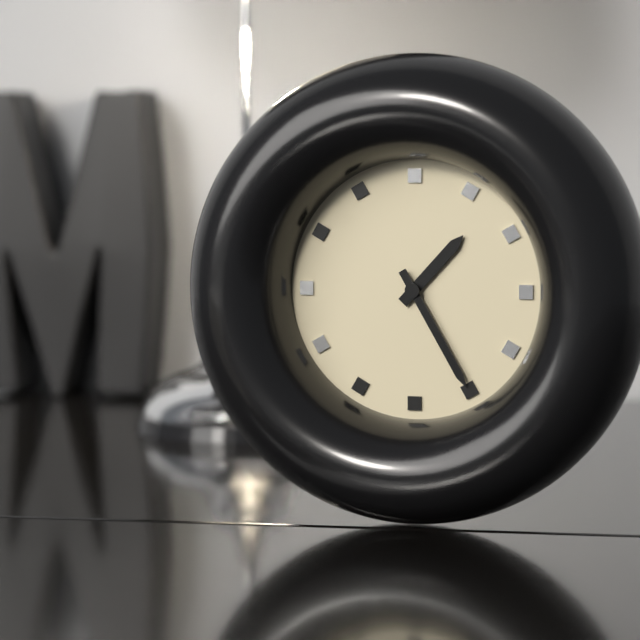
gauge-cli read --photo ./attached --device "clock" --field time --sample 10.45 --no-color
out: 1.25
